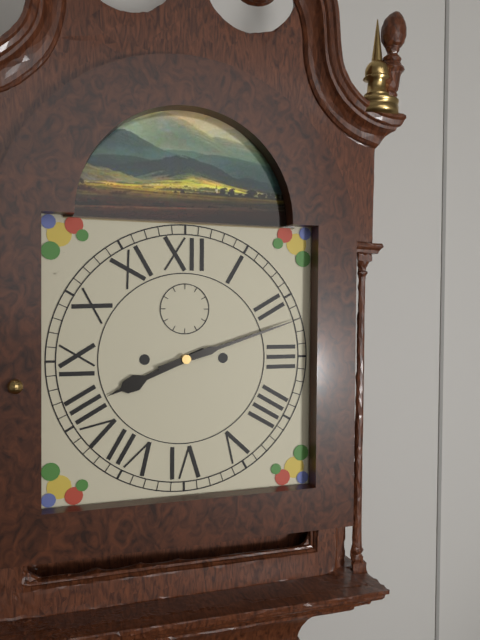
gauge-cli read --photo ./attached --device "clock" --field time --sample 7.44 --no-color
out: 8.12
